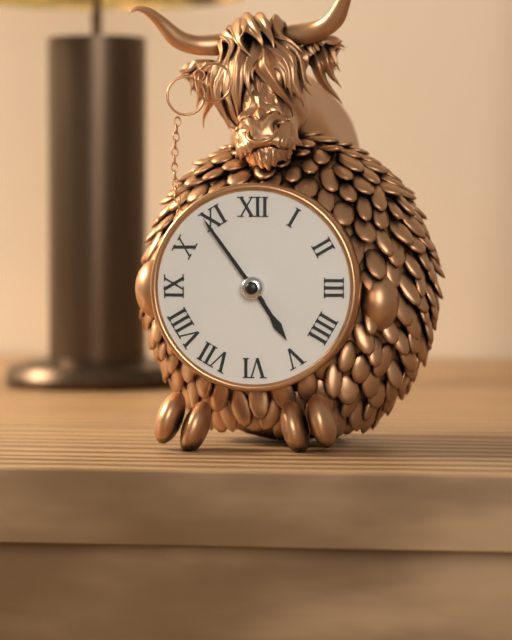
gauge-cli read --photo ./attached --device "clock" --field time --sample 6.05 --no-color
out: 4.54
